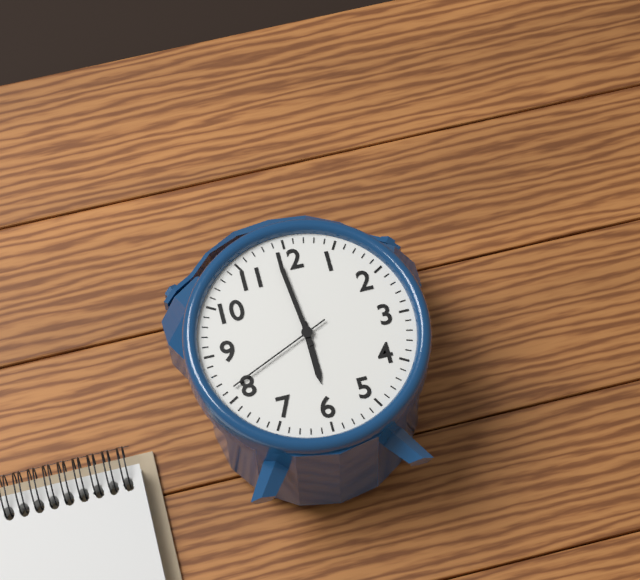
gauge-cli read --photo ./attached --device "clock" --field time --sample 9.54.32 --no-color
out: 5.59.41
